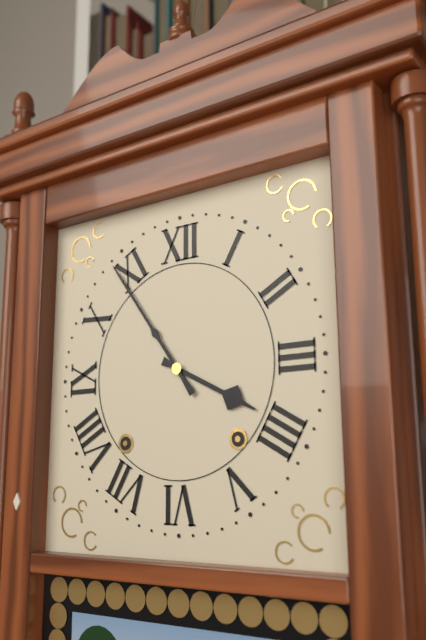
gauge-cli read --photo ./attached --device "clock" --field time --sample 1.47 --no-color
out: 3.54
